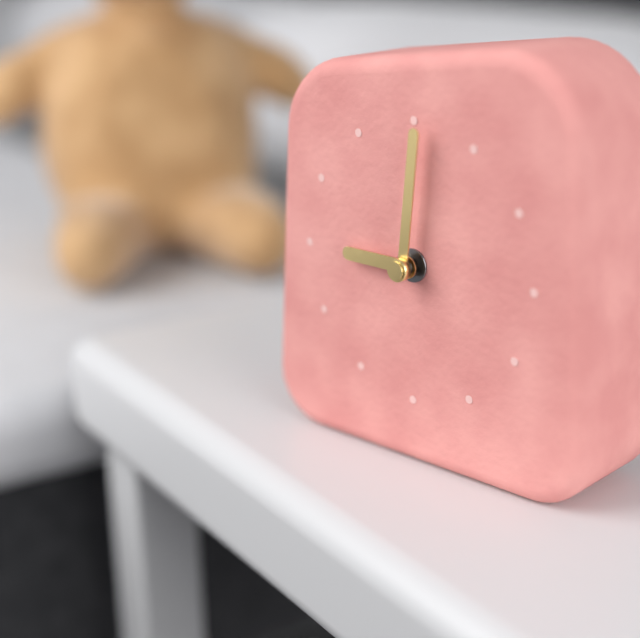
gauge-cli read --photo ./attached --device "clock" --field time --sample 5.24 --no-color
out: 9.01
